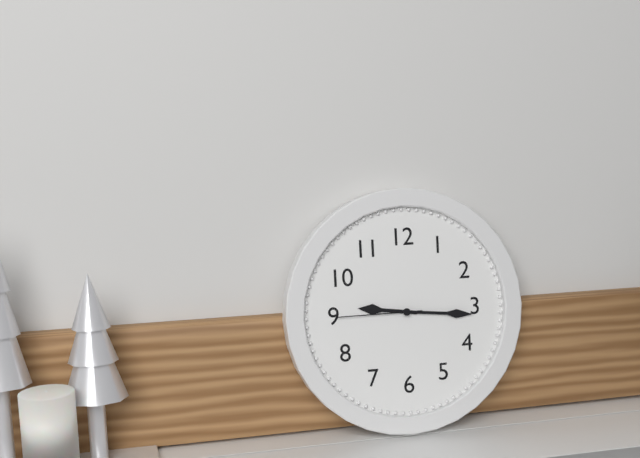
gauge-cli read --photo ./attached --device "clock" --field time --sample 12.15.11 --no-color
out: 9.16.45
